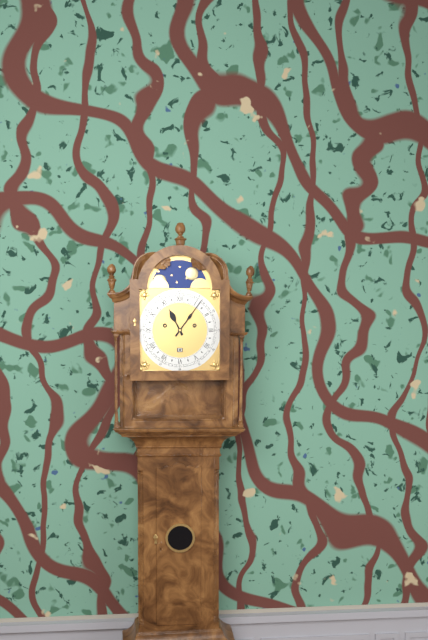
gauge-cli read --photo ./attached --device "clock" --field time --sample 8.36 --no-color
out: 11.06
